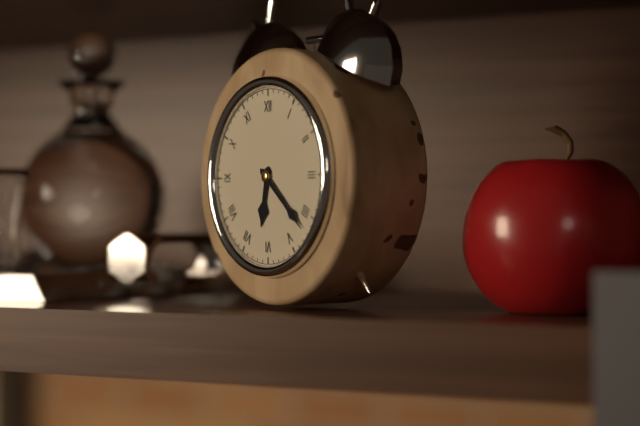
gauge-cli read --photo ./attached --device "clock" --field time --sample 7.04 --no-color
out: 6.22
